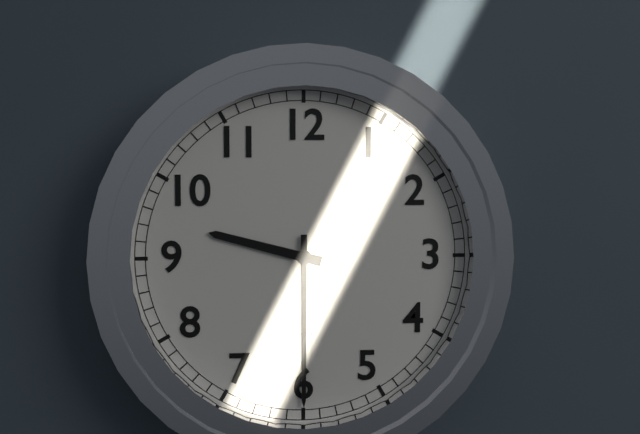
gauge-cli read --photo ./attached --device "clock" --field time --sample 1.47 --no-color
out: 9.30
